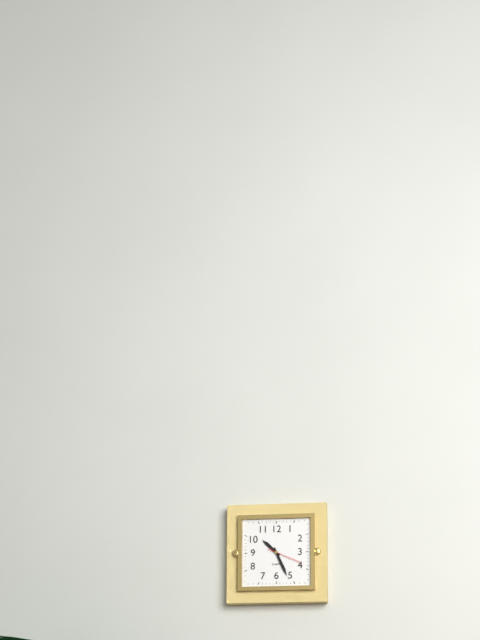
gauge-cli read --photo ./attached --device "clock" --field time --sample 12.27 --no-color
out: 10.26
